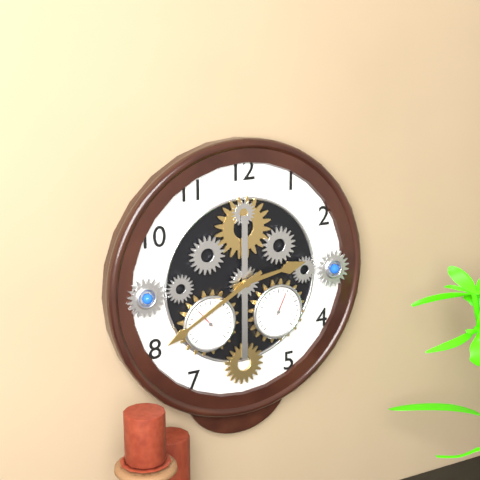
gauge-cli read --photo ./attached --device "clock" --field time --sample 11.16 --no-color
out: 2.40
